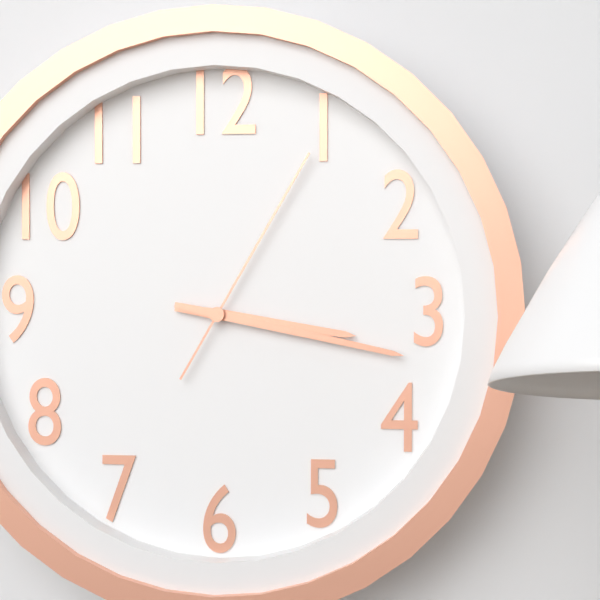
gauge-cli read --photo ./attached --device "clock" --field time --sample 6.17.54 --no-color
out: 3.17.05
